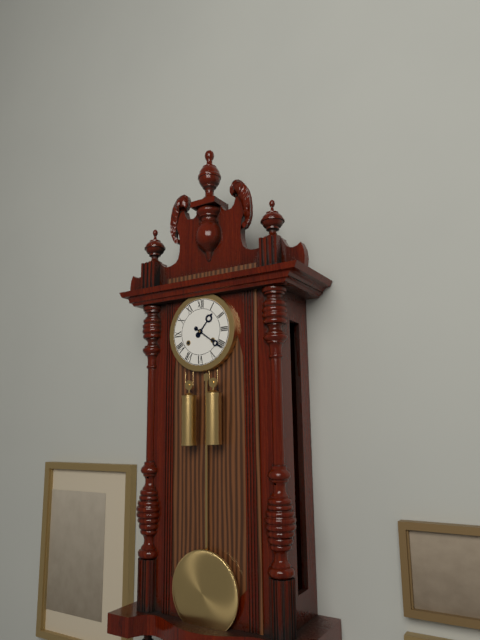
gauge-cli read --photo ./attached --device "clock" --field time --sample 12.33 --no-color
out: 1.21
